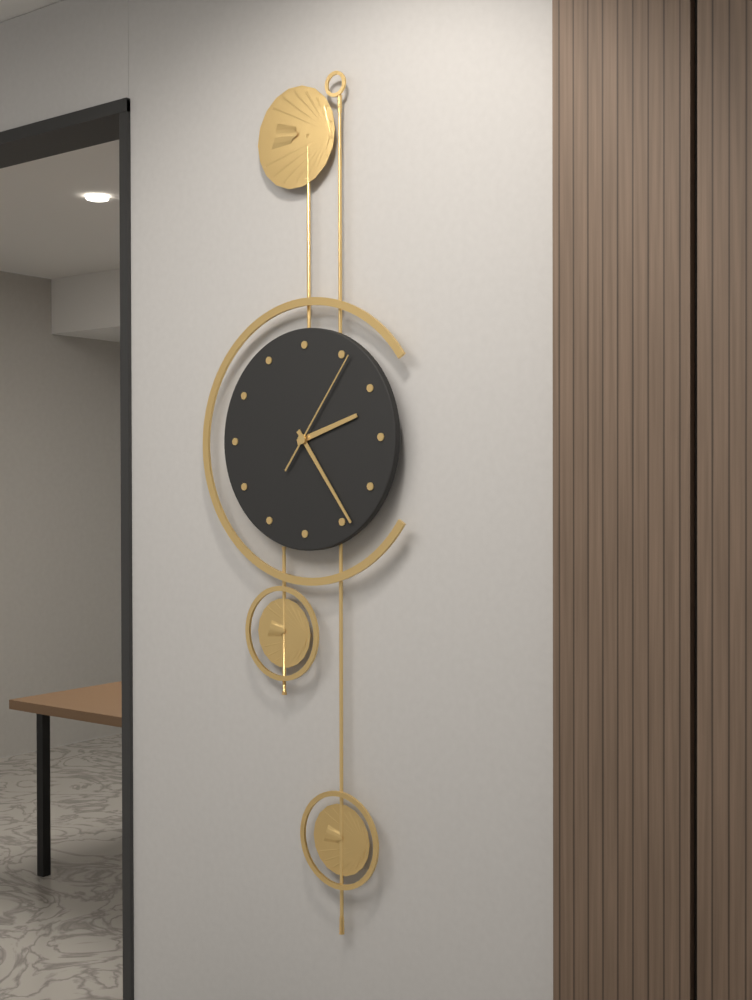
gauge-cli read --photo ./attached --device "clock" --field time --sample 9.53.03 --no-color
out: 2.24.06
